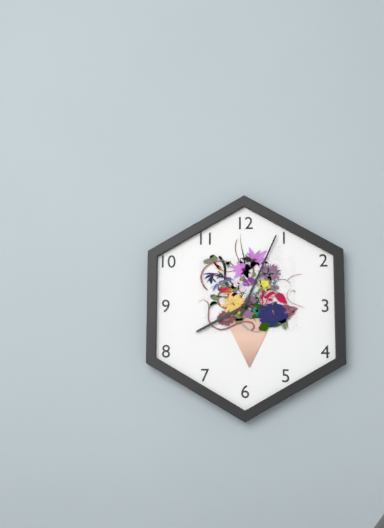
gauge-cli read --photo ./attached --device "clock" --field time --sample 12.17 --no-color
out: 8.04
